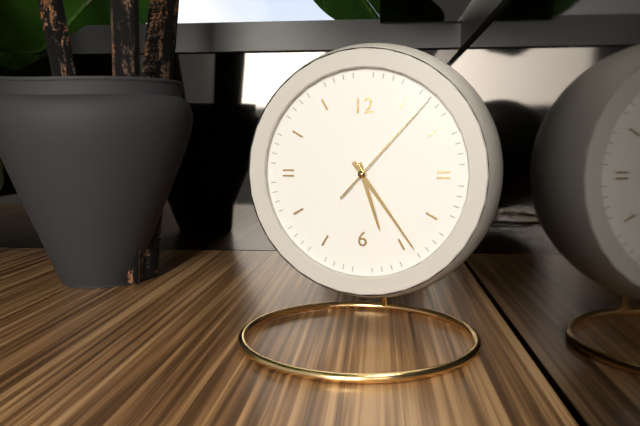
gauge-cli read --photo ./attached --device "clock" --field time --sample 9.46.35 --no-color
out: 5.24.07
